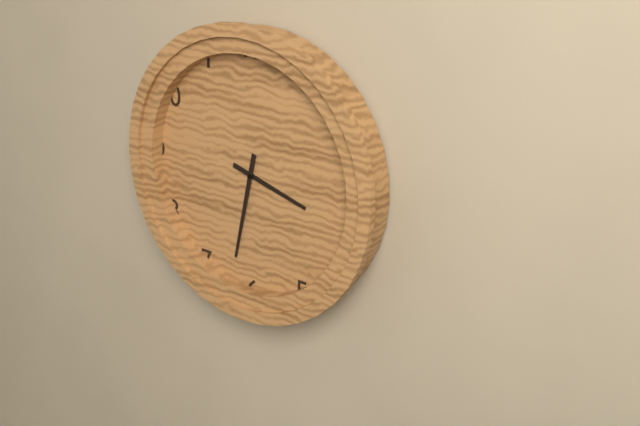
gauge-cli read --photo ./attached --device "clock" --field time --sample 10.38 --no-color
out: 3.32
